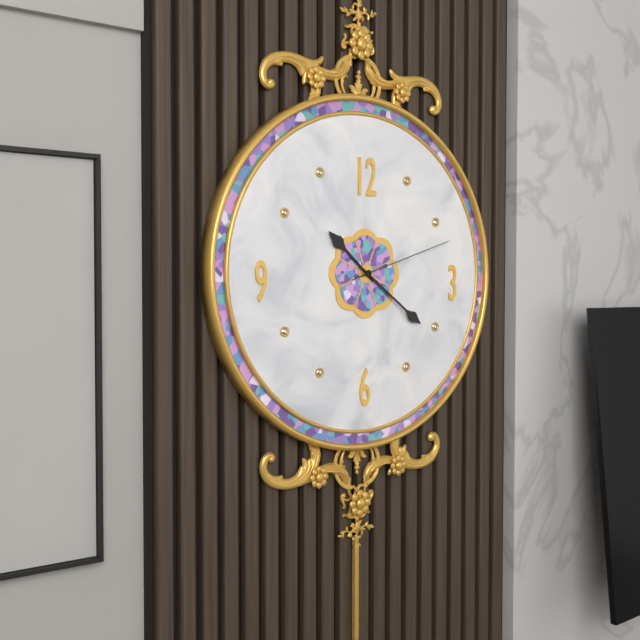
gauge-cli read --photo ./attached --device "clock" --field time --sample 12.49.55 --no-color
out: 10.21.12
